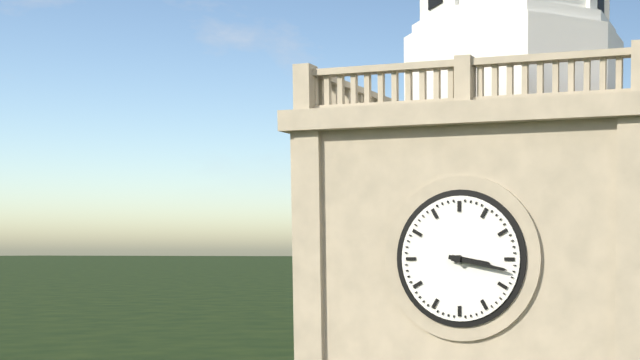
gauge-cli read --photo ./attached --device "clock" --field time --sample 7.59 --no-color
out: 3.17
